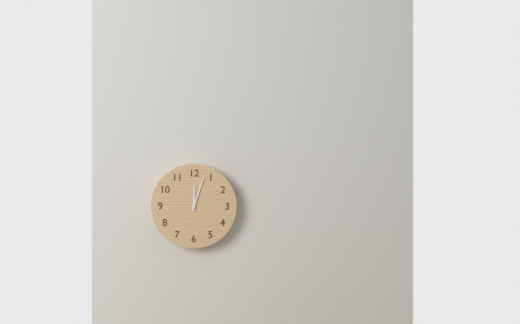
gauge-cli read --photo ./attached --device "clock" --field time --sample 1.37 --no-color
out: 12.03
